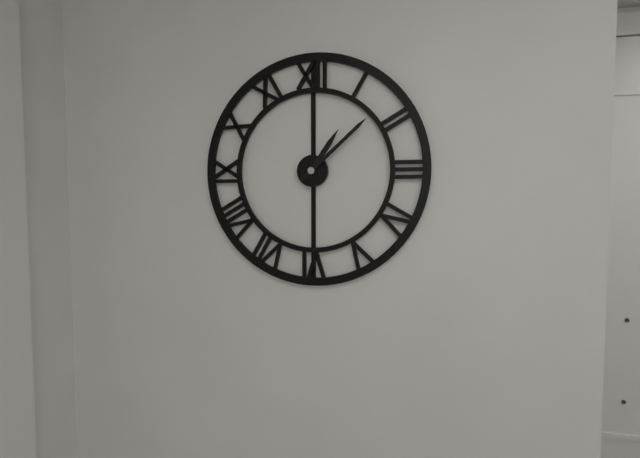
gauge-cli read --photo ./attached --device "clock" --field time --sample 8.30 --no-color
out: 1.08
